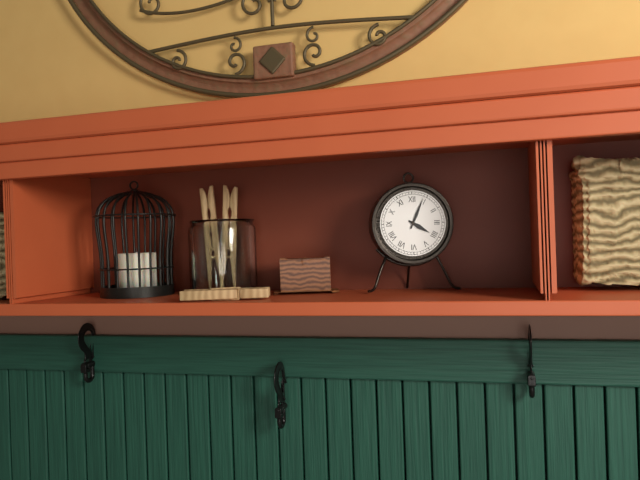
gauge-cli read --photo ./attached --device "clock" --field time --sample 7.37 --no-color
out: 4.04
